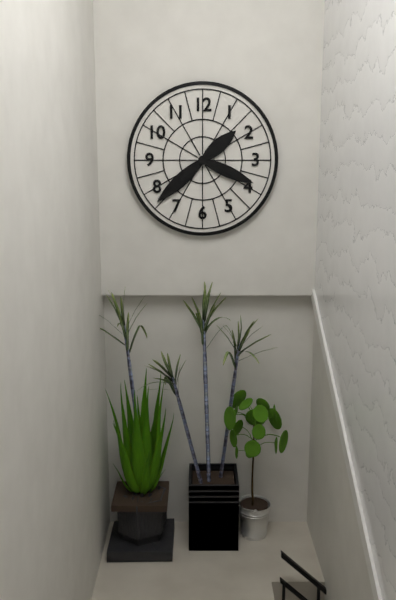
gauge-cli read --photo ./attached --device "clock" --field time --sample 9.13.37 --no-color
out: 1.38.19
